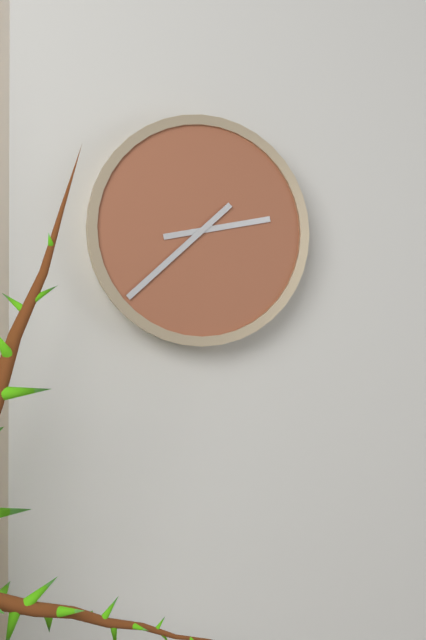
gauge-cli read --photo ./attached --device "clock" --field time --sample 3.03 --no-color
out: 2.38
